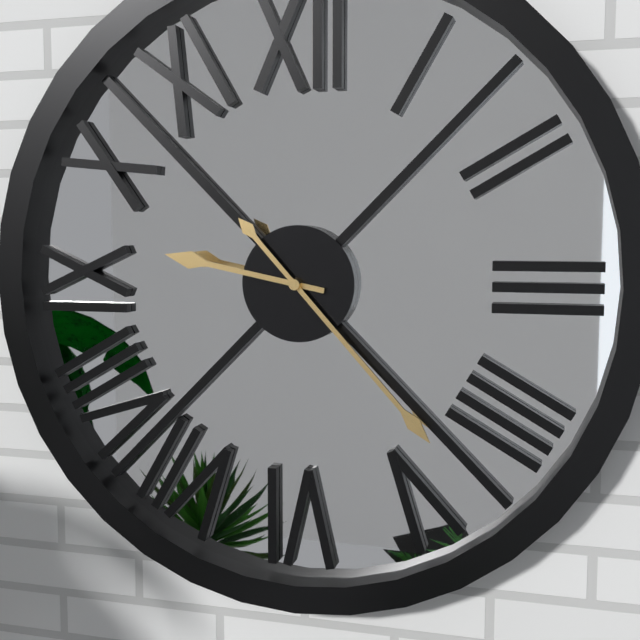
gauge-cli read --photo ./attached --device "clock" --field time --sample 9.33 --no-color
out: 9.23
